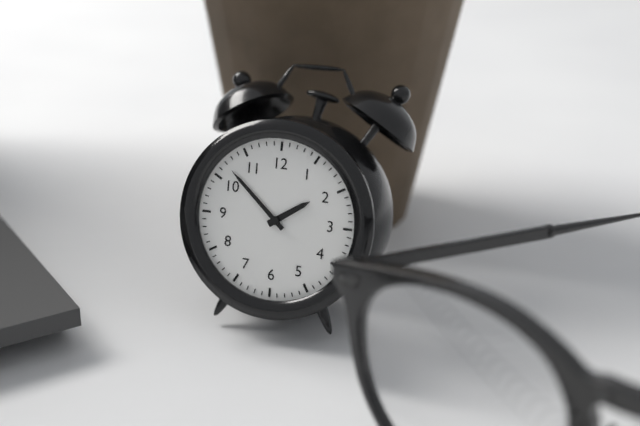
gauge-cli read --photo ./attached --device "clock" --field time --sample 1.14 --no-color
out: 1.52
